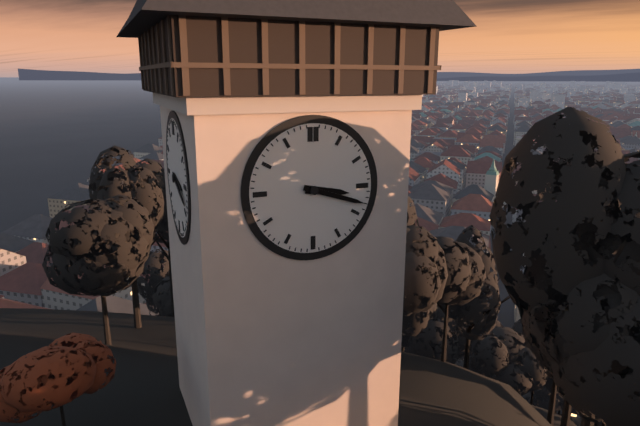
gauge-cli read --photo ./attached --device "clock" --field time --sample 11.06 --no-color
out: 3.18
